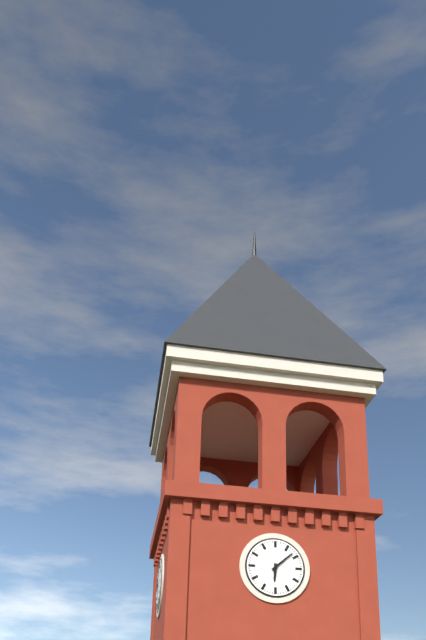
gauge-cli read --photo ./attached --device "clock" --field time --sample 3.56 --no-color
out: 6.08
